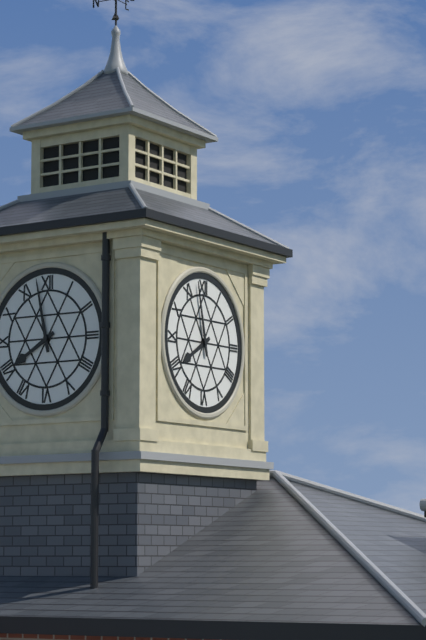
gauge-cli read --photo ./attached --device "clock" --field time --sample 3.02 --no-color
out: 7.58
